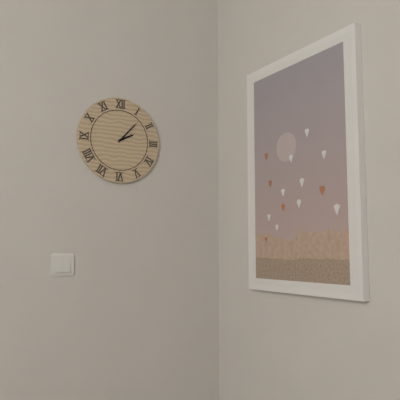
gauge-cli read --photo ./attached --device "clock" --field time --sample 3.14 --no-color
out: 2.07
